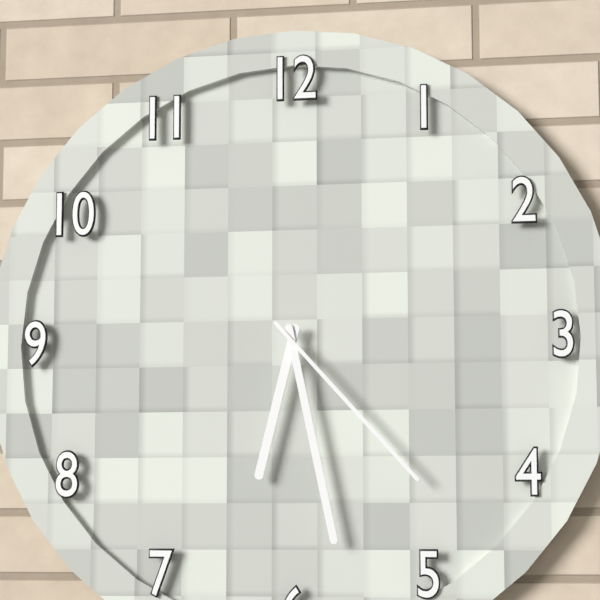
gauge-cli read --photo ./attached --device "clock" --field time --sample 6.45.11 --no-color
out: 6.28.23
